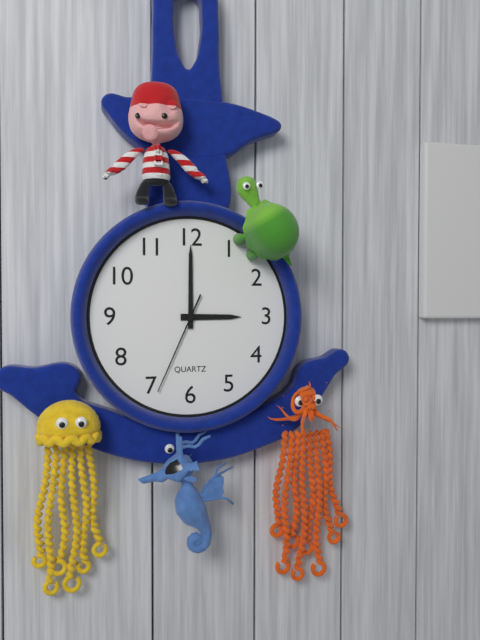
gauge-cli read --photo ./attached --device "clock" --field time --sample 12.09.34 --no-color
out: 3.00.34
